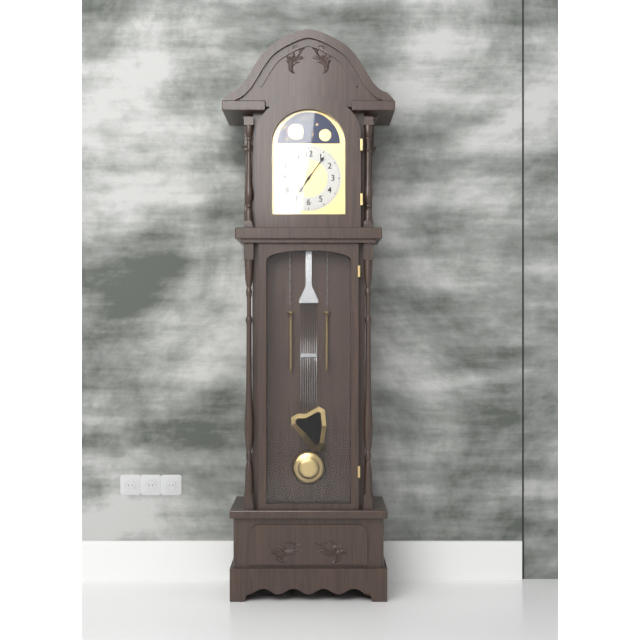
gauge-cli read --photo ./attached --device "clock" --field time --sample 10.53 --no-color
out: 7.06
